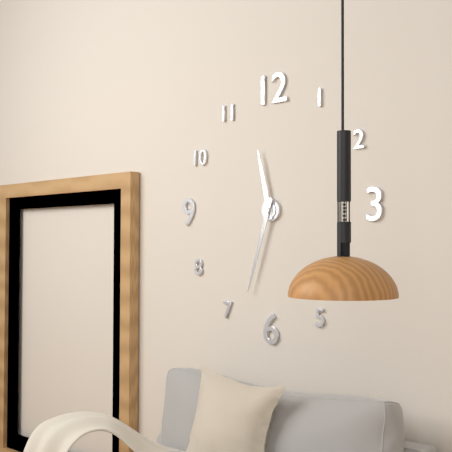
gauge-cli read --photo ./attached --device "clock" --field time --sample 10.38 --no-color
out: 11.33
